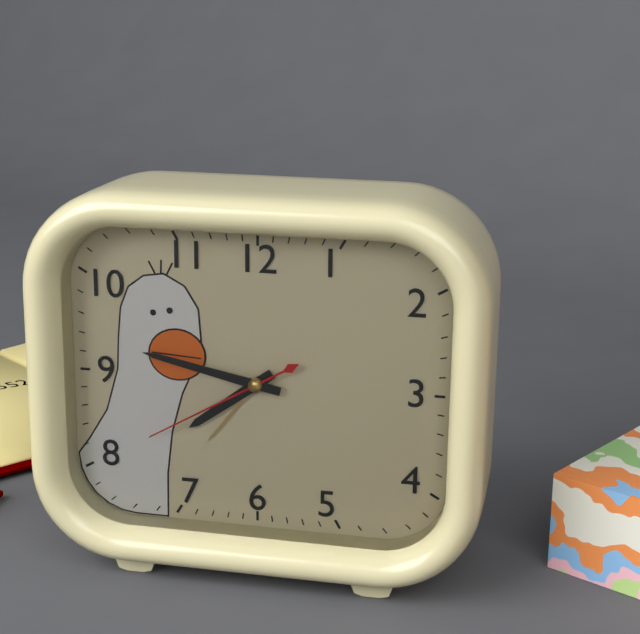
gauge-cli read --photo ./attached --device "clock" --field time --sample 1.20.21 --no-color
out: 7.47.40
